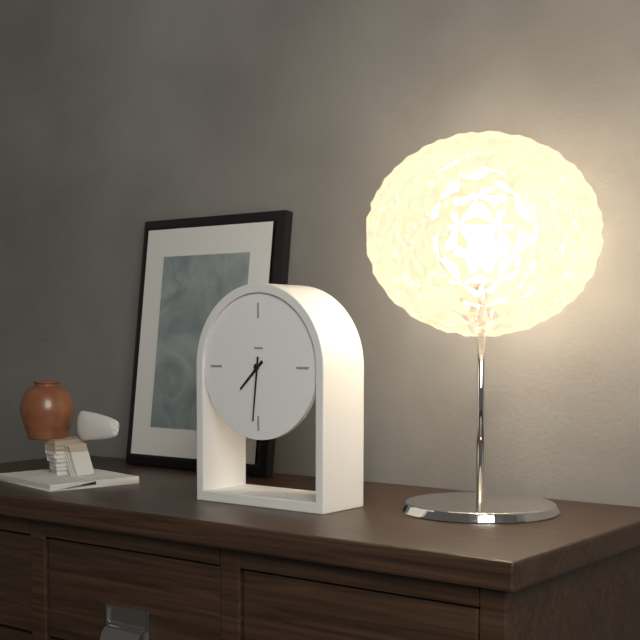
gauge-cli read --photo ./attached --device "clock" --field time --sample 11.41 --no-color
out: 7.31
